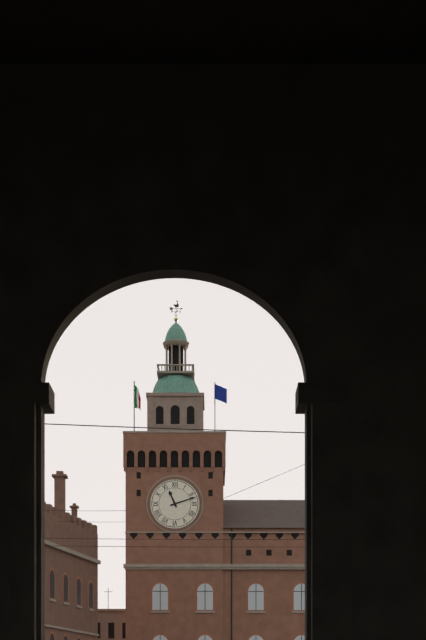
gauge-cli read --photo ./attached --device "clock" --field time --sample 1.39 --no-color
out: 11.12
